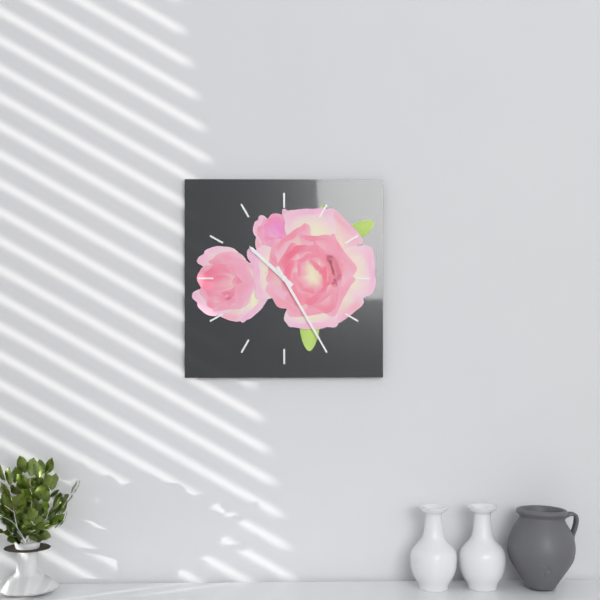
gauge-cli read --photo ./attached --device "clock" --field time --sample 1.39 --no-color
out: 10.25
